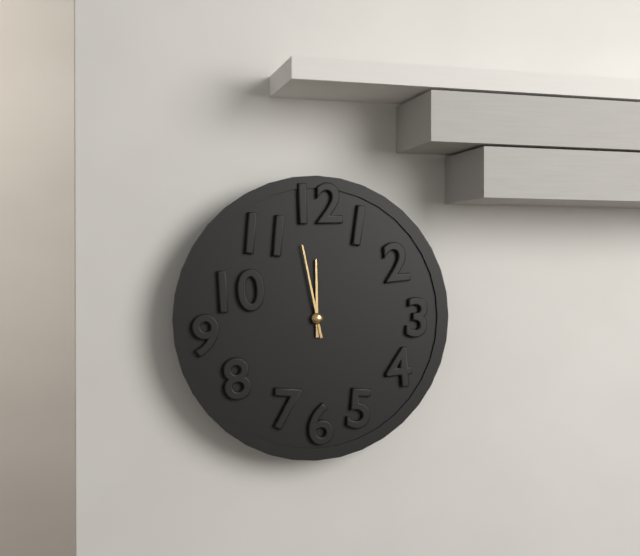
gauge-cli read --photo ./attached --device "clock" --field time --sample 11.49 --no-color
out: 11.58
